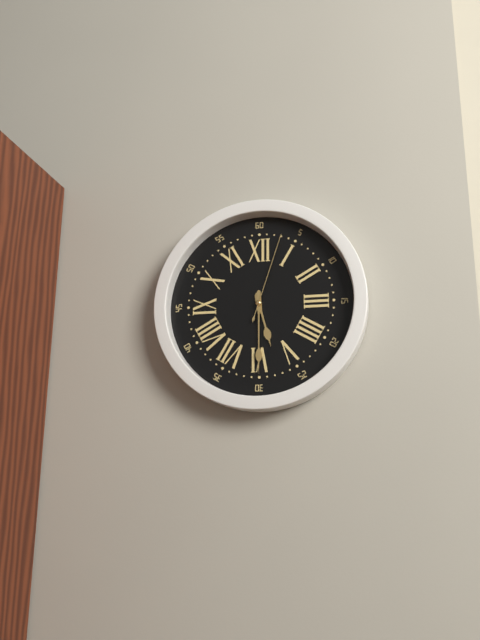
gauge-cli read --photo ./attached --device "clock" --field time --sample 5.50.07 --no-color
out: 5.30.03
